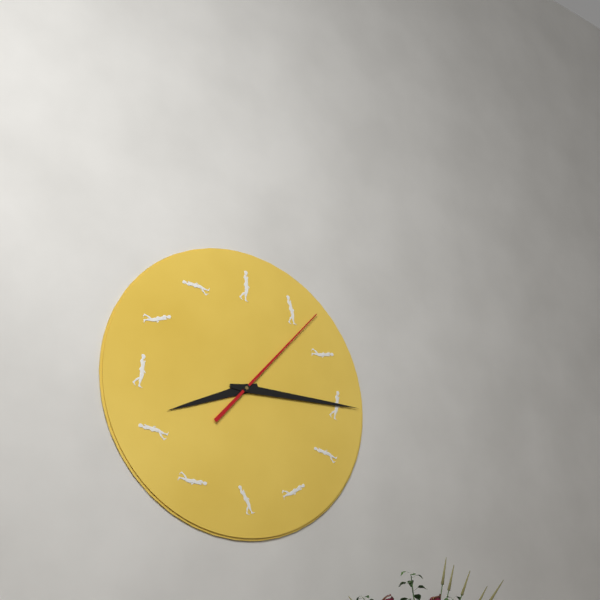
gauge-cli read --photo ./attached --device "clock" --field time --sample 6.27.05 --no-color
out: 8.15.07
